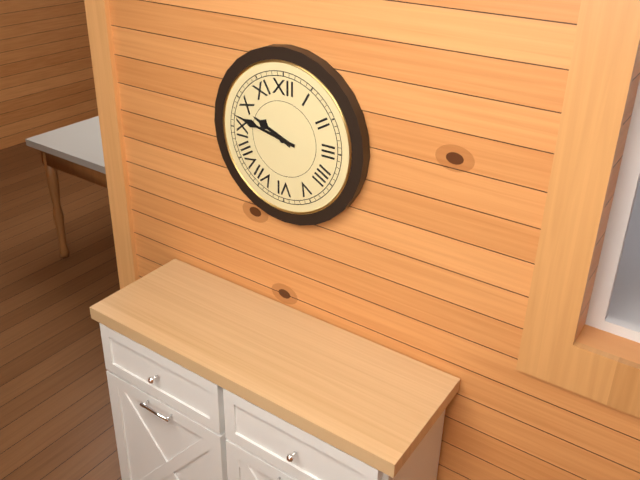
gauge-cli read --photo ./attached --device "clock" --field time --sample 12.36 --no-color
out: 9.47
